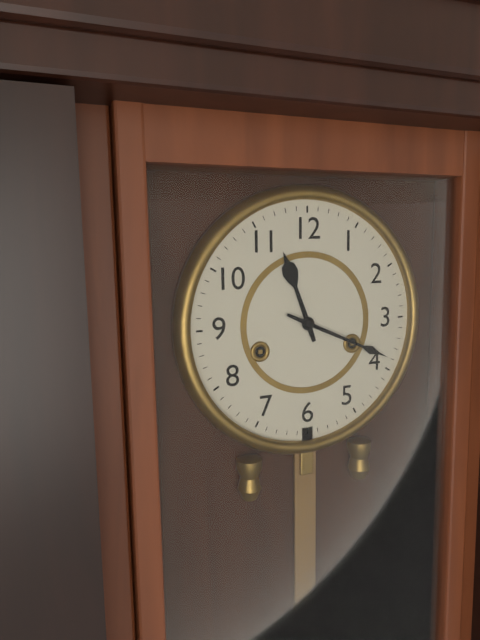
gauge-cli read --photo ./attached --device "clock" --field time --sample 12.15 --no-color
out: 11.19
